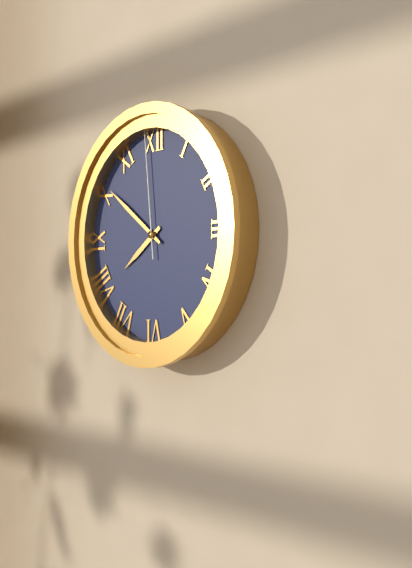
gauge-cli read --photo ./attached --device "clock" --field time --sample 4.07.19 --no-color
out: 7.51.59
